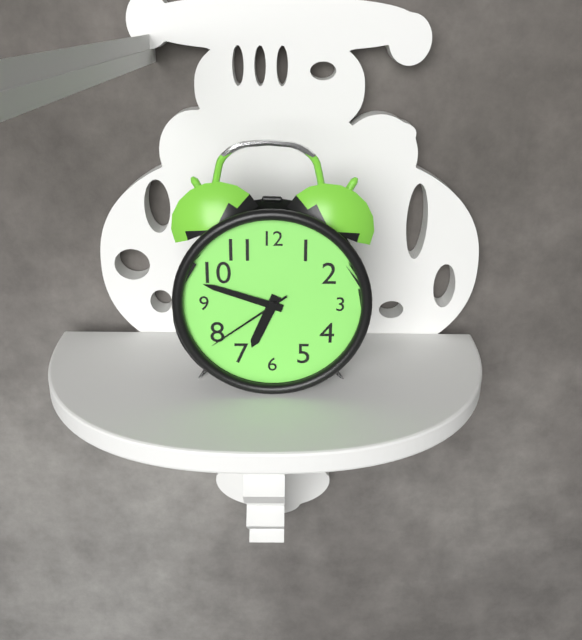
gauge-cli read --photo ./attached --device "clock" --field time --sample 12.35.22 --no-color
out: 6.48.39
